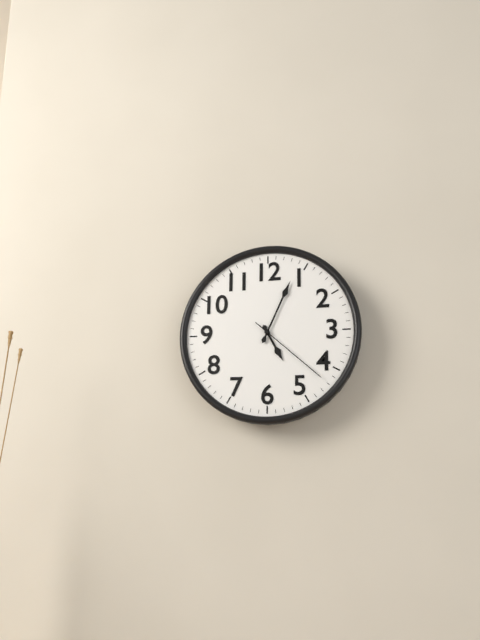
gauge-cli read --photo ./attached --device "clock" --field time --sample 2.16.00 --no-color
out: 5.04.22
